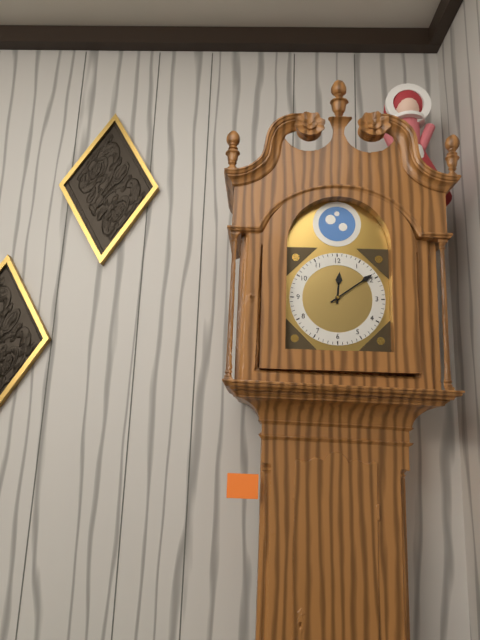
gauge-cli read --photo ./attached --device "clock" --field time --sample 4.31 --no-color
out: 12.09
